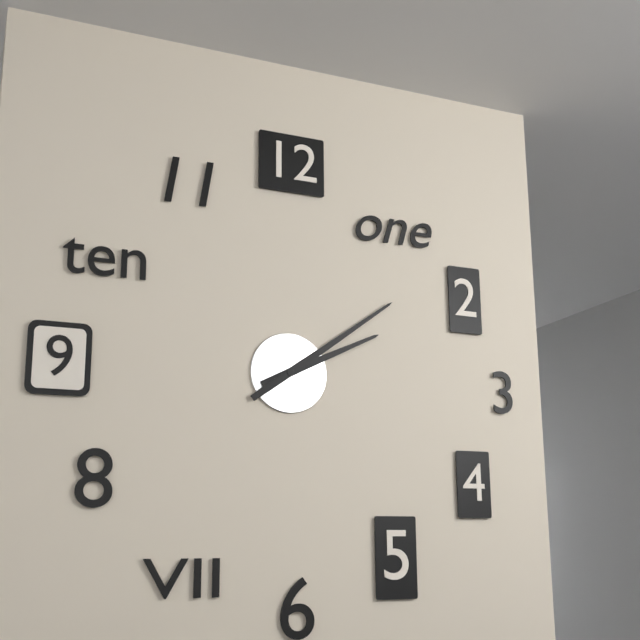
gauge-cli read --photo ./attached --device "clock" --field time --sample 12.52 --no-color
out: 2.09
